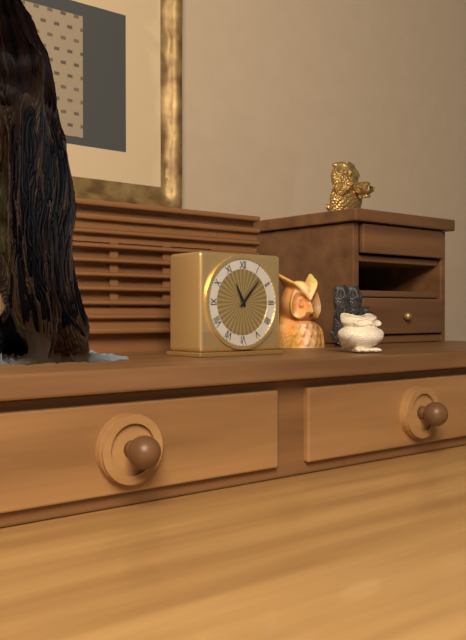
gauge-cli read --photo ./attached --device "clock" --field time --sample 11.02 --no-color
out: 11.07
